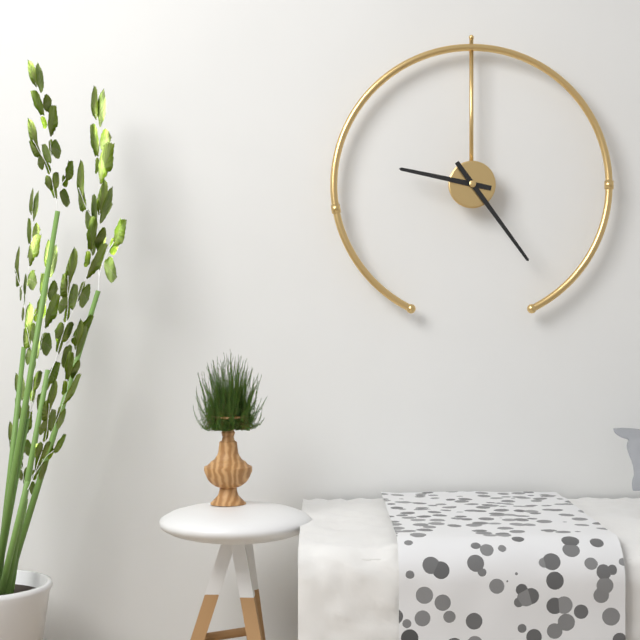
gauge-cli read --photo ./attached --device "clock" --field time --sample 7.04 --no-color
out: 9.24
